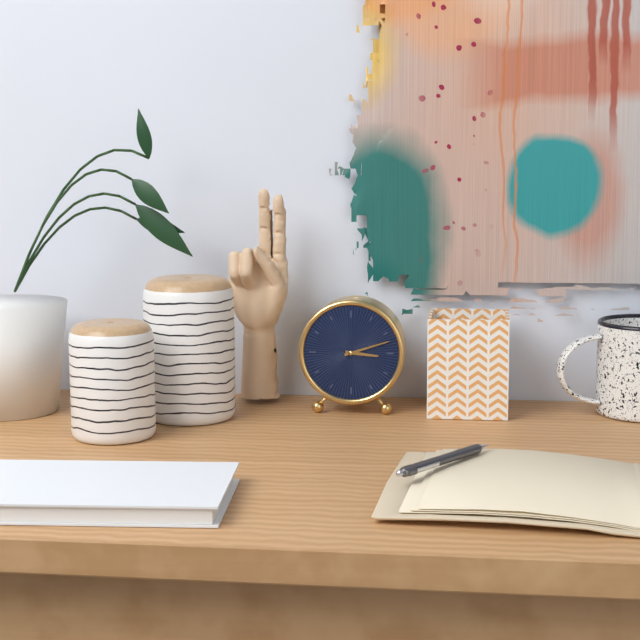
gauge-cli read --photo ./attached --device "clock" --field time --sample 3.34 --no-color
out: 3.12
